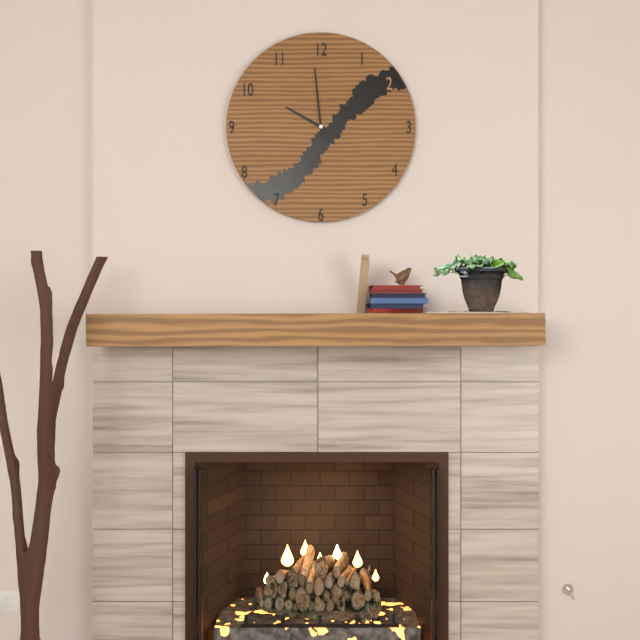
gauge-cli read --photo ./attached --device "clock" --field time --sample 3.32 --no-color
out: 9.59
